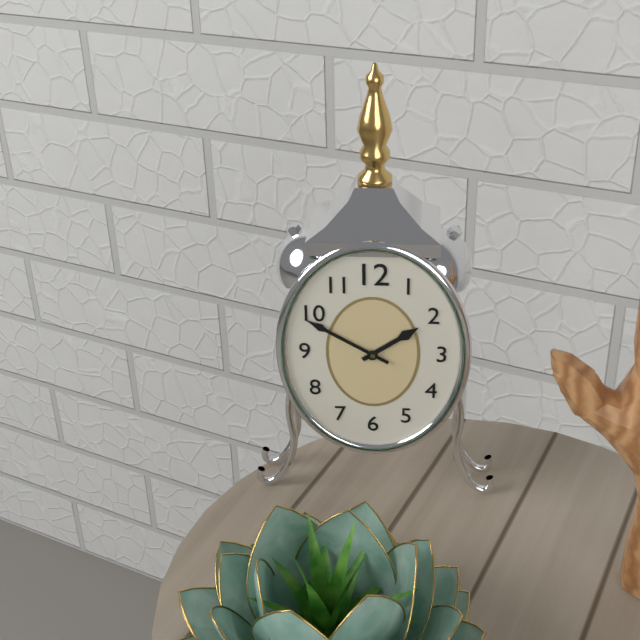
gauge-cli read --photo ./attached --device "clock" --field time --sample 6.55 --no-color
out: 1.50
